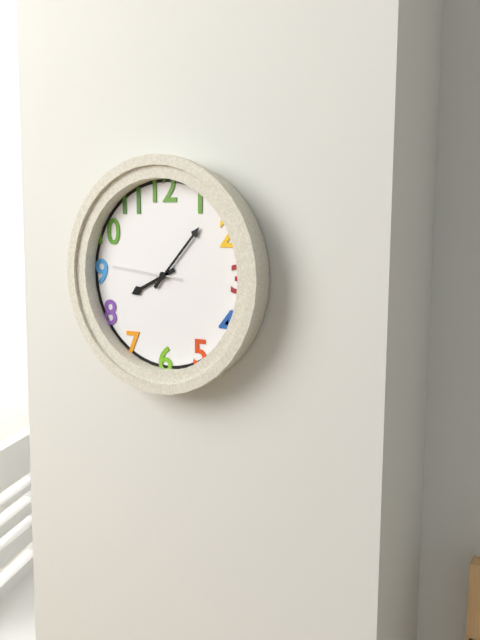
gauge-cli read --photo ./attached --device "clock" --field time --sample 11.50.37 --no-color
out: 8.07.46
